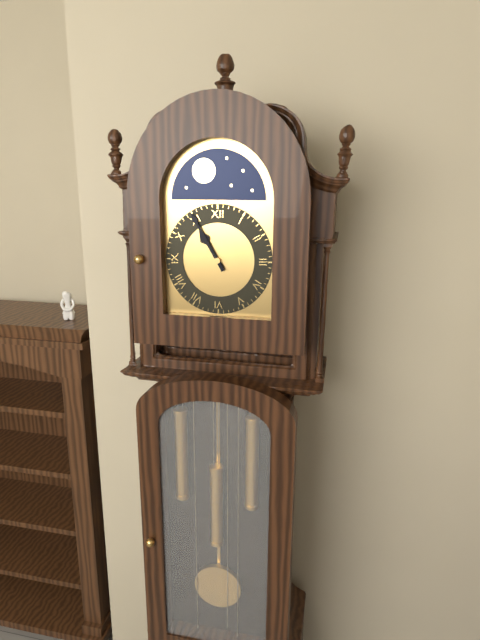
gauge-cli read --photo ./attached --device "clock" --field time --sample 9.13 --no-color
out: 10.55
